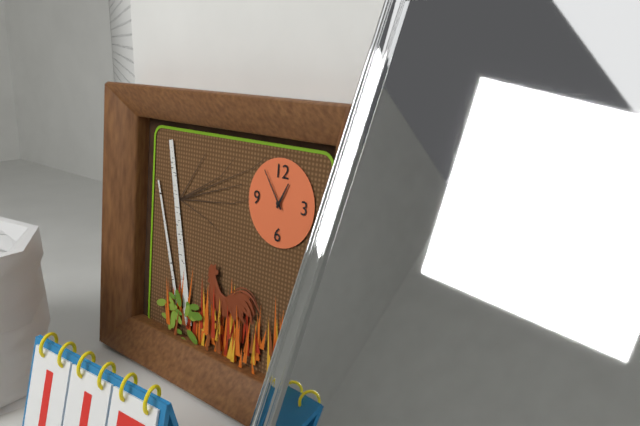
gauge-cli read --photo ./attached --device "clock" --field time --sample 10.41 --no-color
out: 12.54
